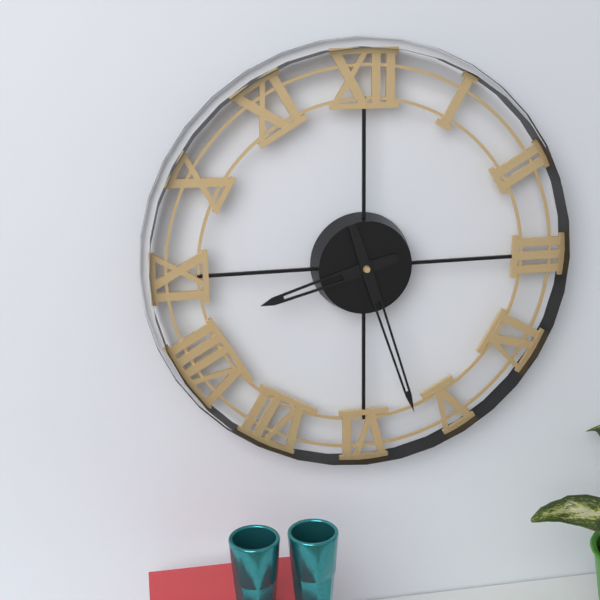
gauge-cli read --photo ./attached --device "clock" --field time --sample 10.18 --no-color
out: 8.27
